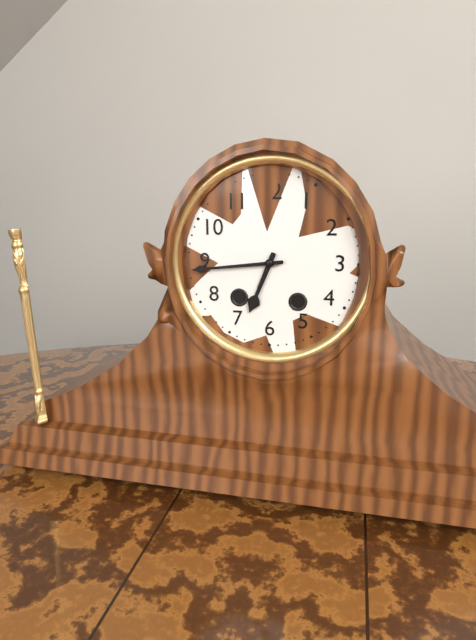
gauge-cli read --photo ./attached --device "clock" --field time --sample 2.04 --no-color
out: 6.44
